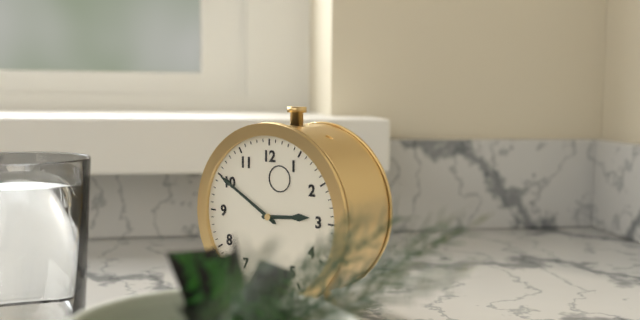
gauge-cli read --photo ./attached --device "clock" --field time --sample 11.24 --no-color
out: 2.50
